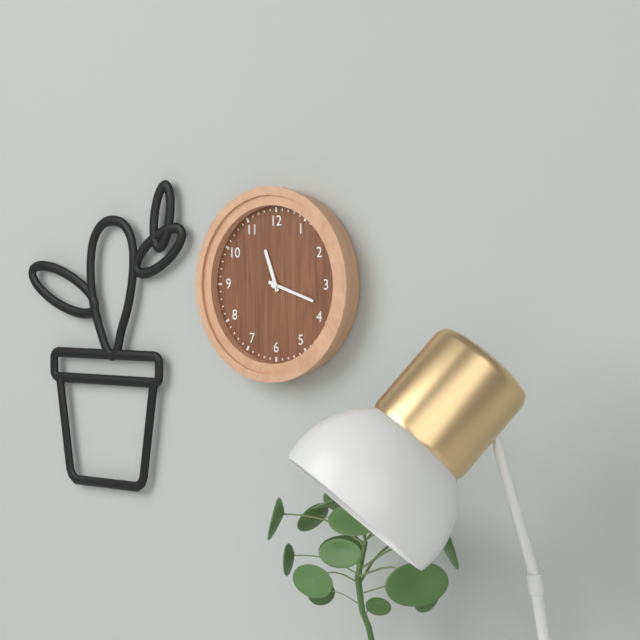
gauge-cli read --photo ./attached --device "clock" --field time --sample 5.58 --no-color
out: 11.18
